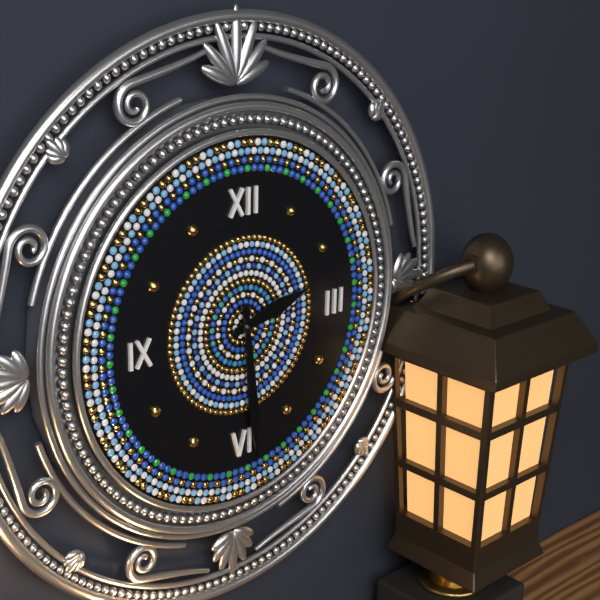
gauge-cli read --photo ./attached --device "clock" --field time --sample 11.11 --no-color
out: 2.29
